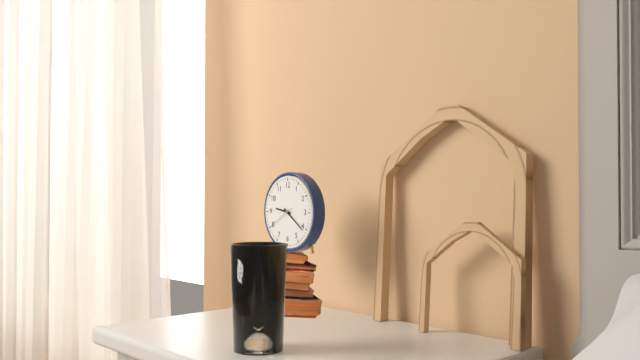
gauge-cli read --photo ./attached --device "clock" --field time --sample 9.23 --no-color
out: 9.21
